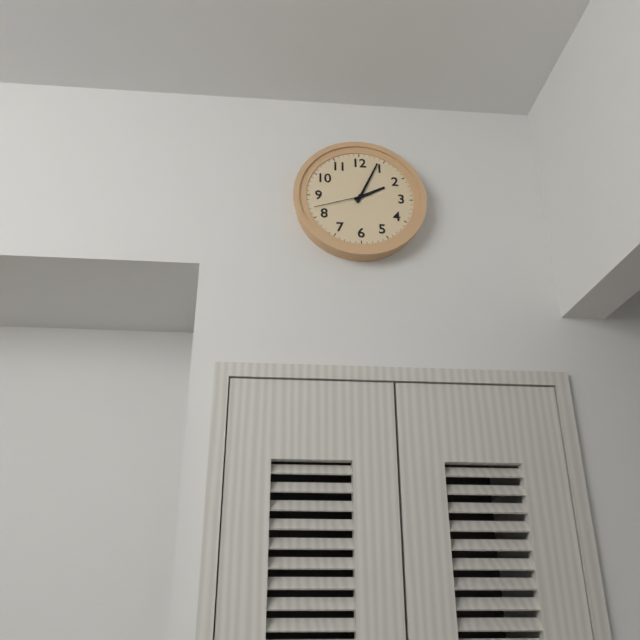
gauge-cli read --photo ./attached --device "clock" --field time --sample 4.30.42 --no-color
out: 2.04.42
